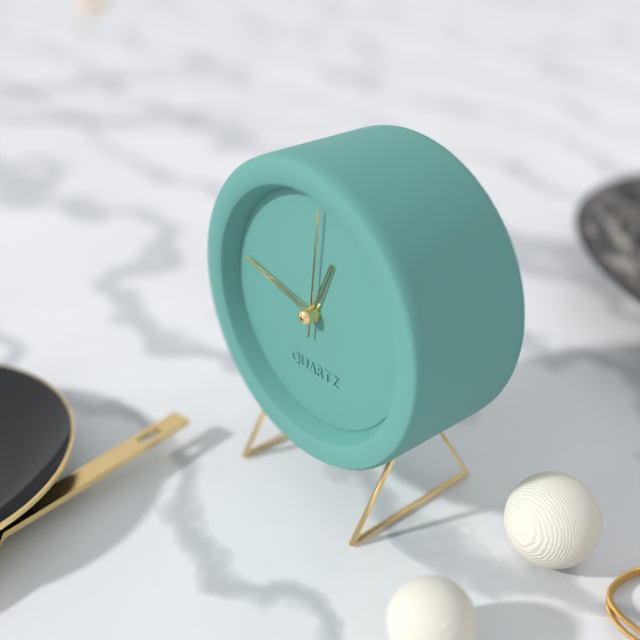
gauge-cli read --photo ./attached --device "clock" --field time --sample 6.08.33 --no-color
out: 12.47.01
